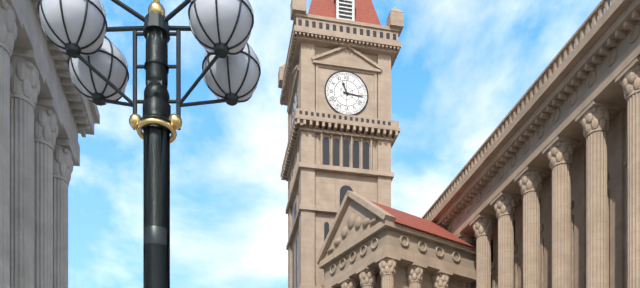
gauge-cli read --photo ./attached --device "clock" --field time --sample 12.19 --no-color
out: 11.16
